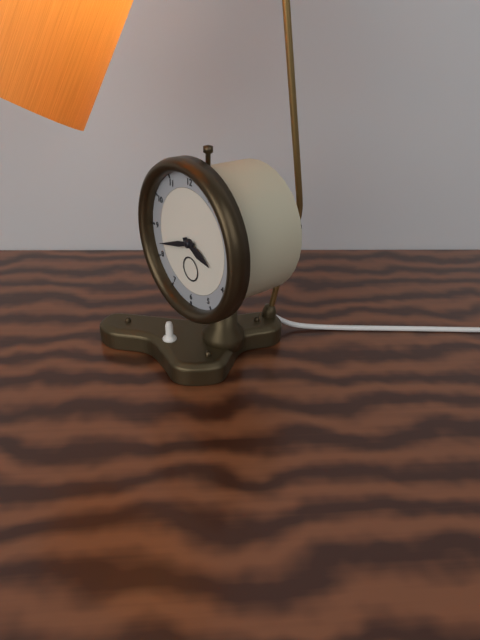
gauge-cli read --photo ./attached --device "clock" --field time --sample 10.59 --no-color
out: 3.42
